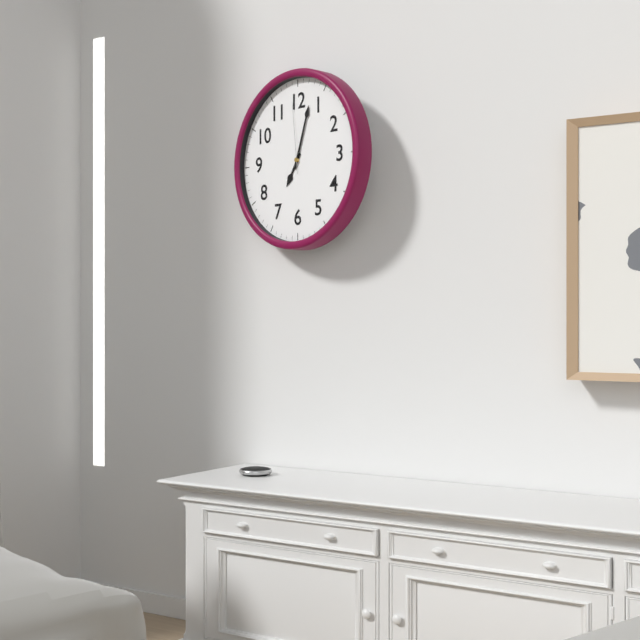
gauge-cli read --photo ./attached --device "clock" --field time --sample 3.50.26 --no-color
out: 7.03.59
